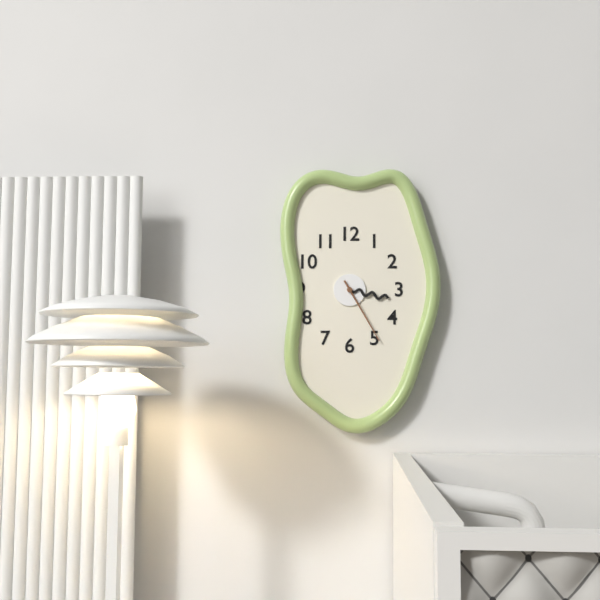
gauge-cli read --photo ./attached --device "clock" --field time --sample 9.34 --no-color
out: 3.25
